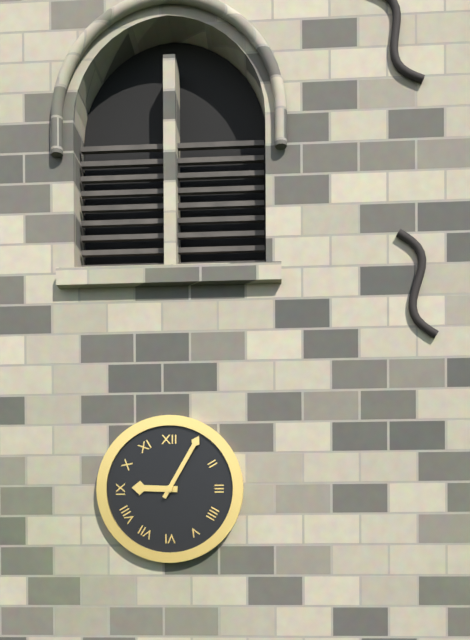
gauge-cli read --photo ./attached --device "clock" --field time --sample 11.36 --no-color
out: 9.05
